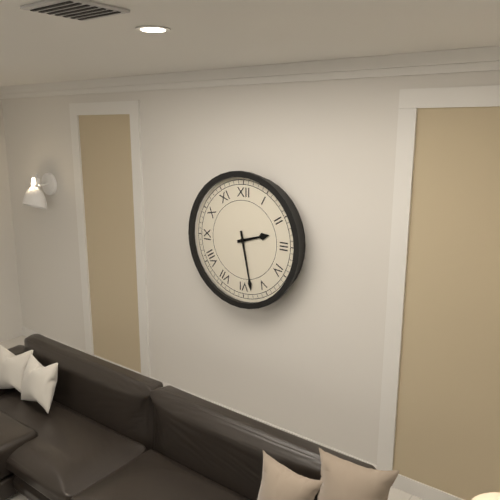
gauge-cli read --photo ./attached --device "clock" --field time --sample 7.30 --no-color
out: 2.28
